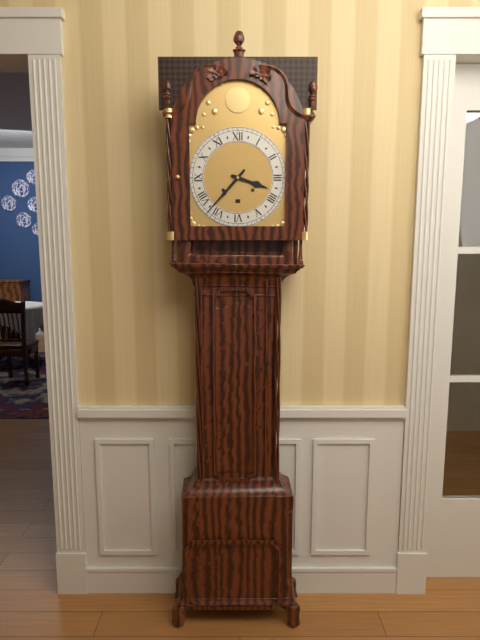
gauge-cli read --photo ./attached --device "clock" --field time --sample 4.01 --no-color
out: 3.37
